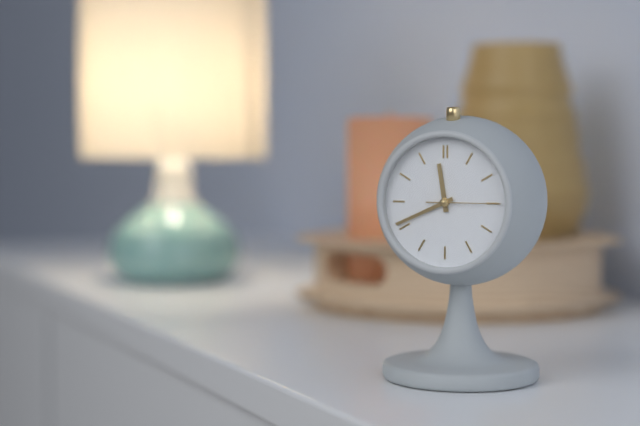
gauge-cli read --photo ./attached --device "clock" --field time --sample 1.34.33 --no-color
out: 11.41.15
